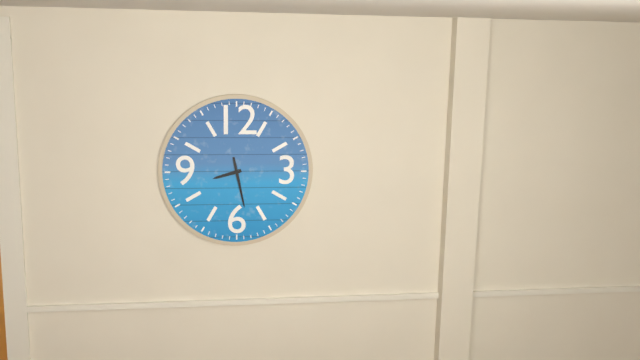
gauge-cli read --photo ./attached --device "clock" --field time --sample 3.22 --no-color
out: 8.28
